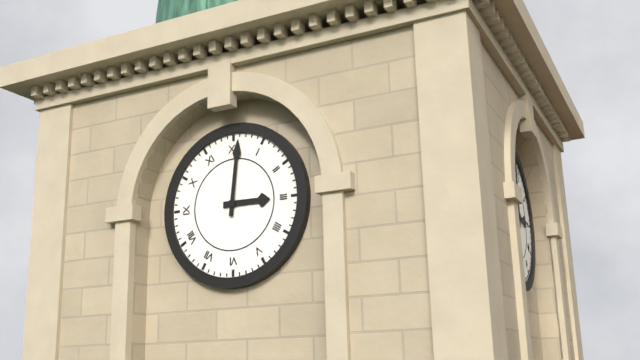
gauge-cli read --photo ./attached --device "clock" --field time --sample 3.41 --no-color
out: 3.01
